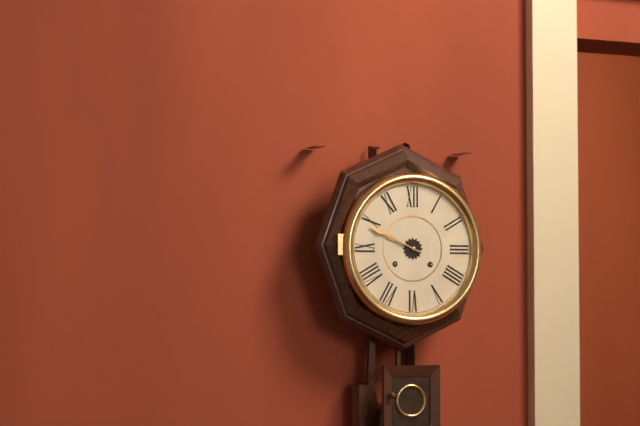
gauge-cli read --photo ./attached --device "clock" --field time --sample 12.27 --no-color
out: 9.49
